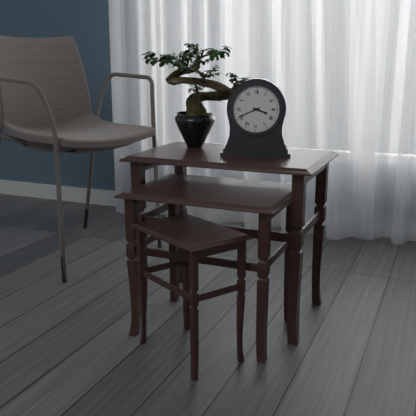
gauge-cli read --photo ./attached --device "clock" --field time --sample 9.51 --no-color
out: 3.41
